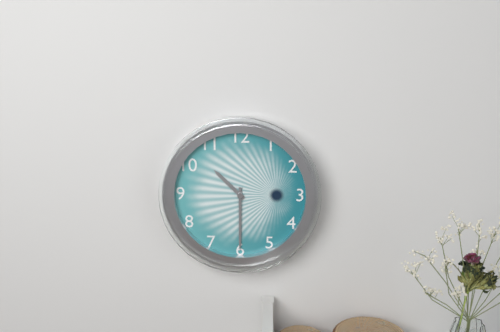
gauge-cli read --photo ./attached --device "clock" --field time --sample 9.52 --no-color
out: 10.30
